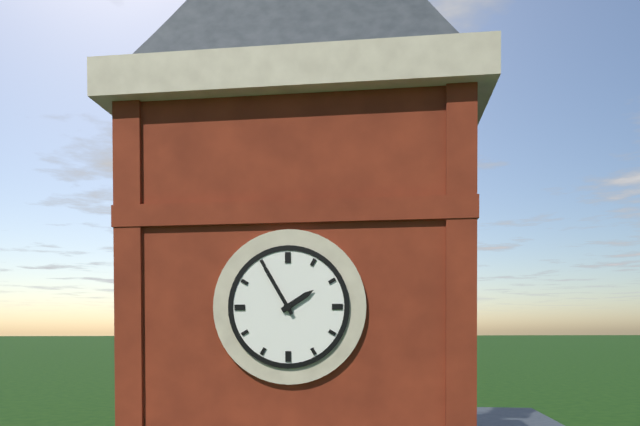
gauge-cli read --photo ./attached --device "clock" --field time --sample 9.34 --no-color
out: 1.55
